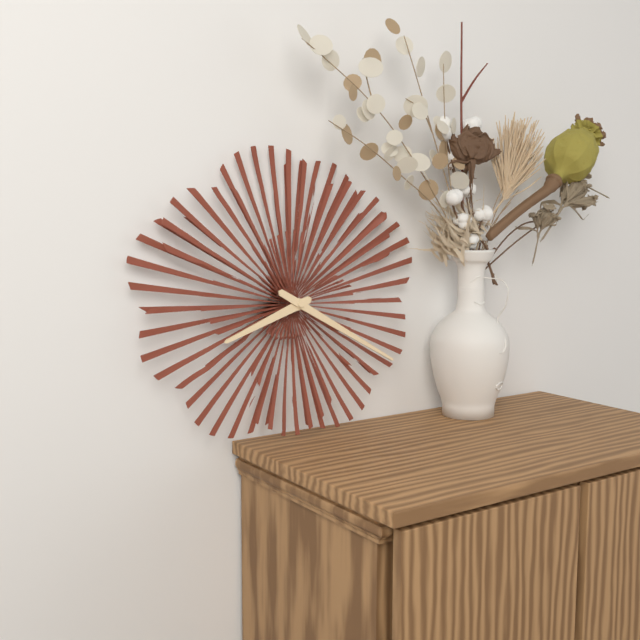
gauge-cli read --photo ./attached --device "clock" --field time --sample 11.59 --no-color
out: 8.20
